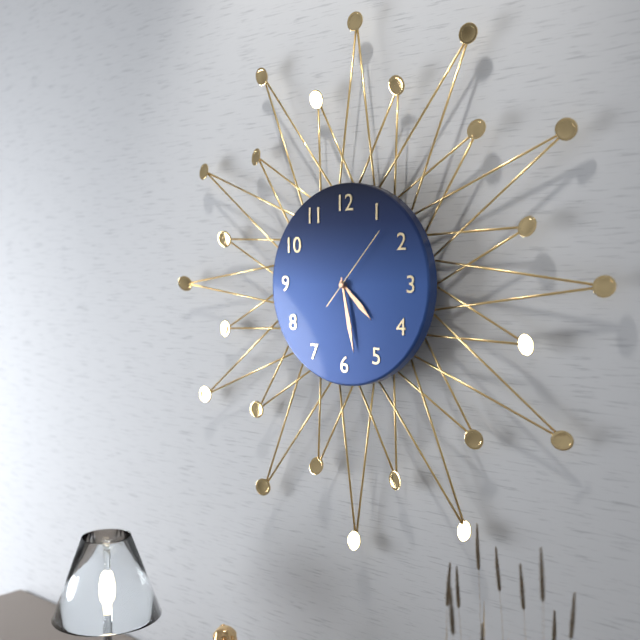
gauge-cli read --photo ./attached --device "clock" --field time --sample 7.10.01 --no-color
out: 4.28.07
